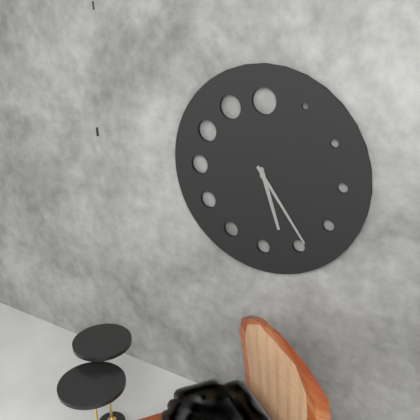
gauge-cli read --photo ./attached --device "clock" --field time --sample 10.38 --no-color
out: 5.24
